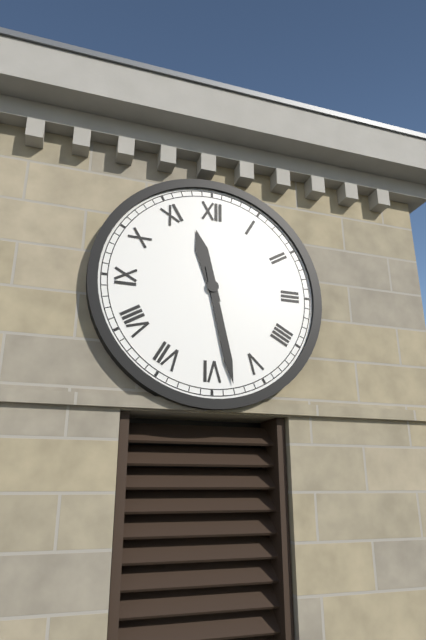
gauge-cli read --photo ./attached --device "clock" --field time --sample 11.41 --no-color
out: 11.28
